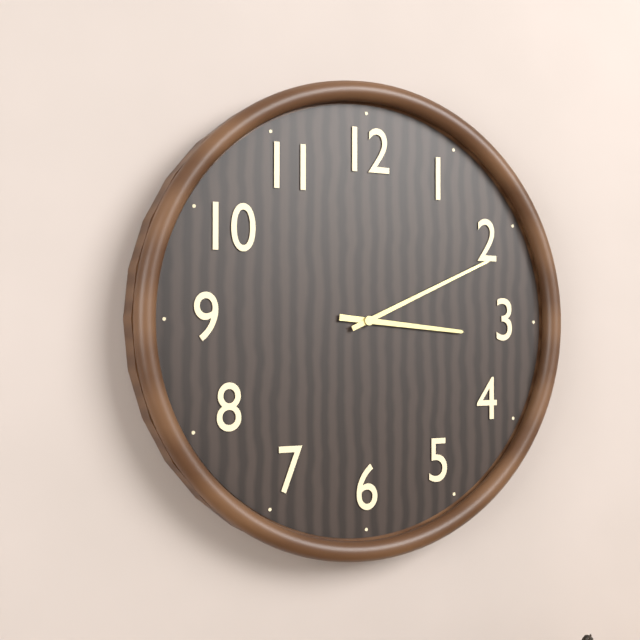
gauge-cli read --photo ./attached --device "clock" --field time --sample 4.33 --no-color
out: 3.11
